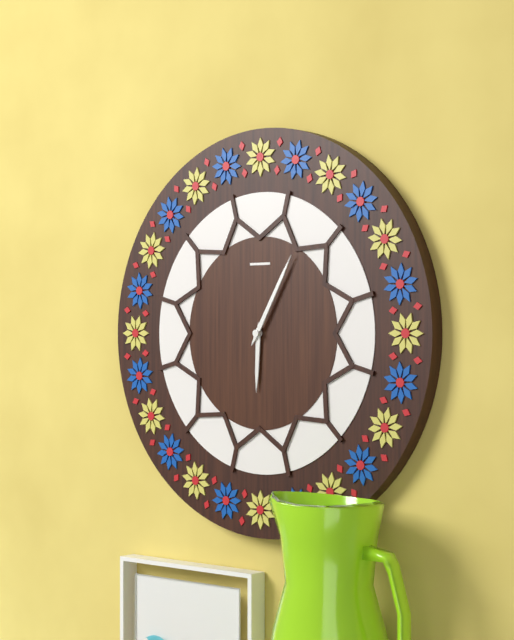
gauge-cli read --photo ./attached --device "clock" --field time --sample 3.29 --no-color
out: 6.05
